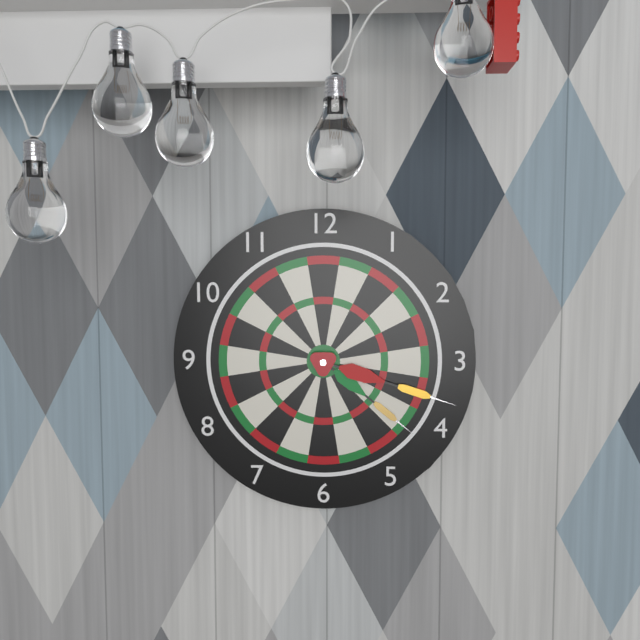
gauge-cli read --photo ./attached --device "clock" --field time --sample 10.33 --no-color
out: 4.18
